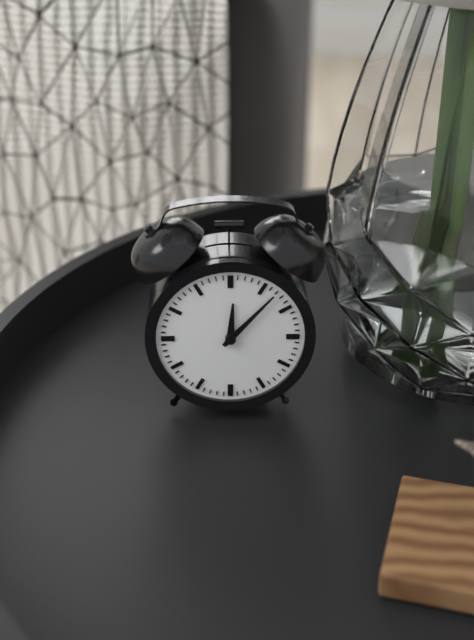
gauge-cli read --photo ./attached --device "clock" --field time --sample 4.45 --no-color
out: 12.07
